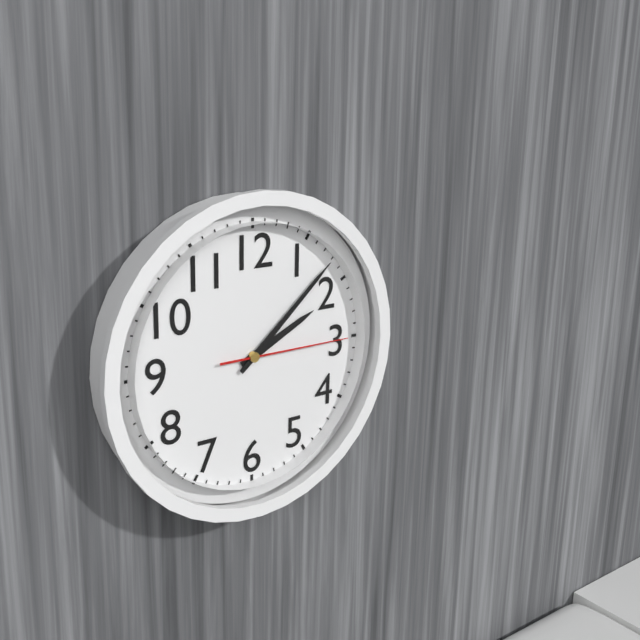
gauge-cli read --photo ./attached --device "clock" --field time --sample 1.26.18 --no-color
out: 2.08.15
